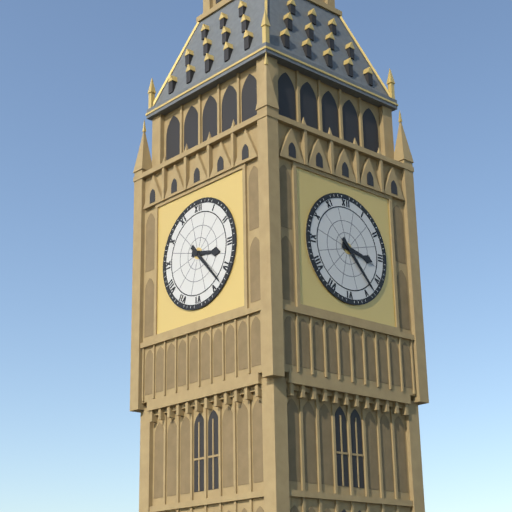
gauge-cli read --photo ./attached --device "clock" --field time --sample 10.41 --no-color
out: 3.23
